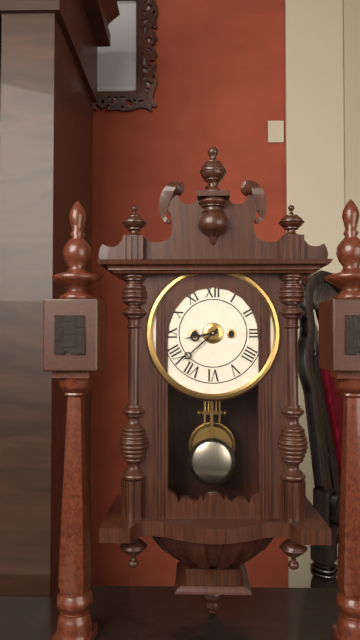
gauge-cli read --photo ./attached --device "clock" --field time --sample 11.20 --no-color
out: 8.38
